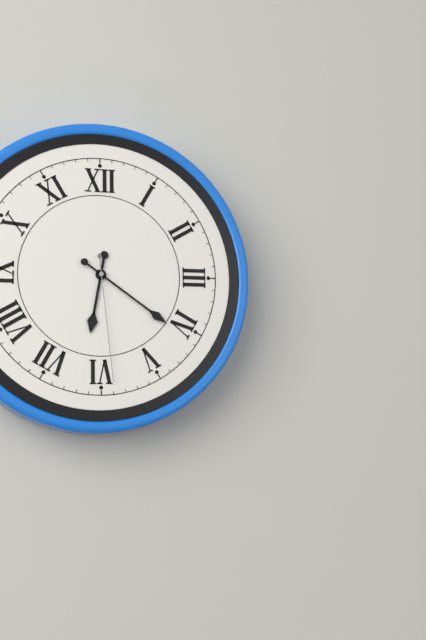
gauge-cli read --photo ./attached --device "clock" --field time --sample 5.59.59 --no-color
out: 6.21.29
